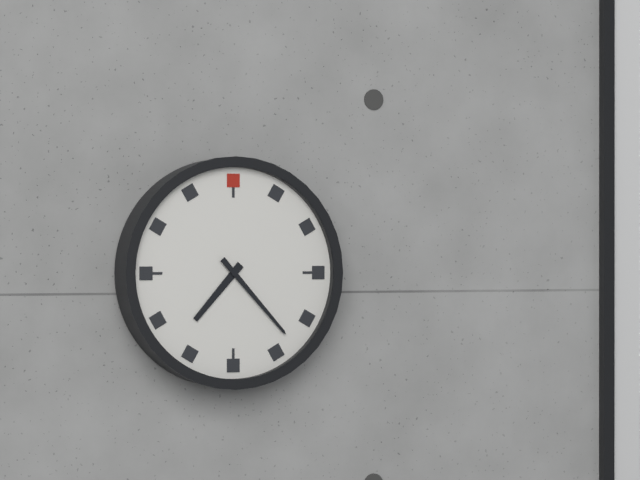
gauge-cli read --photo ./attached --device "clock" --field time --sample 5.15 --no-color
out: 7.23
